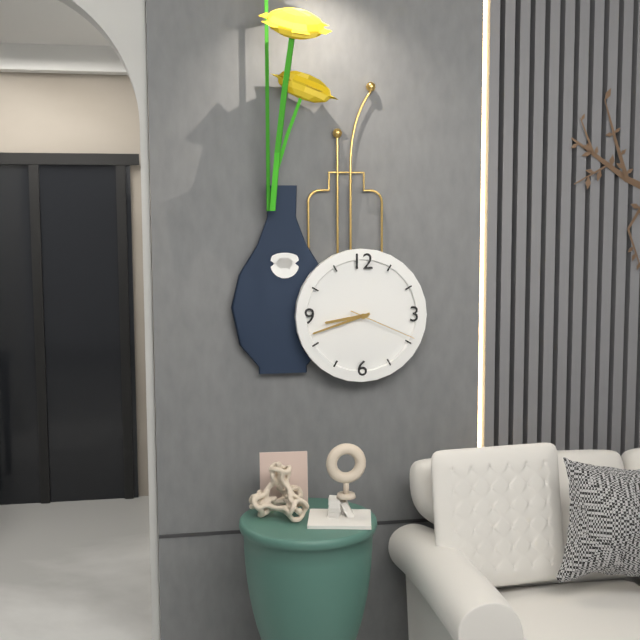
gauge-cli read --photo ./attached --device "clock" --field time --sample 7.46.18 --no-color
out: 8.42.19
